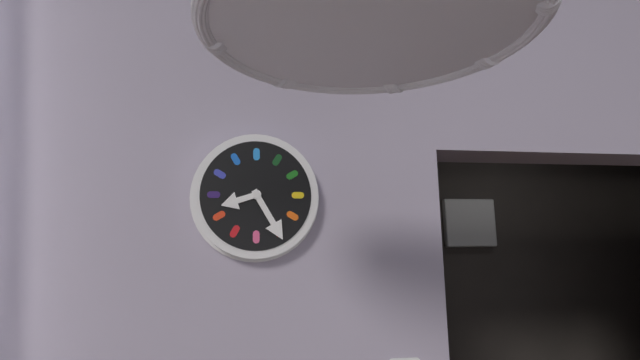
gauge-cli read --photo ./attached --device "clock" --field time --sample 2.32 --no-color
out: 8.25
